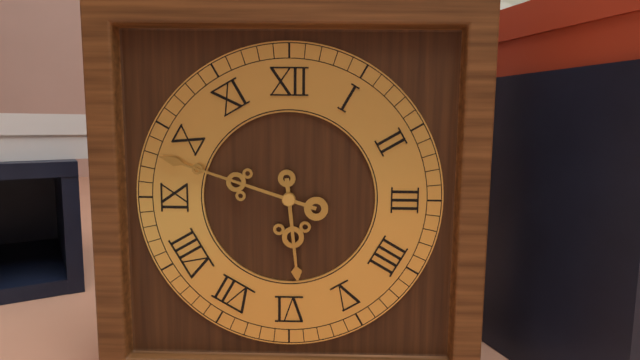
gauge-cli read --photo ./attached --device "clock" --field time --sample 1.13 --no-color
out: 5.48
